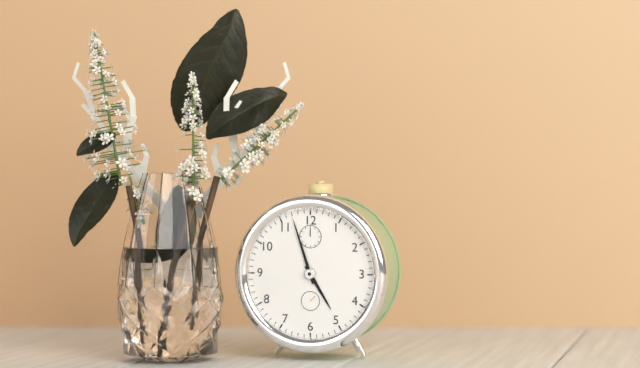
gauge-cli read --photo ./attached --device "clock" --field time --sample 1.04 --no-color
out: 4.57
